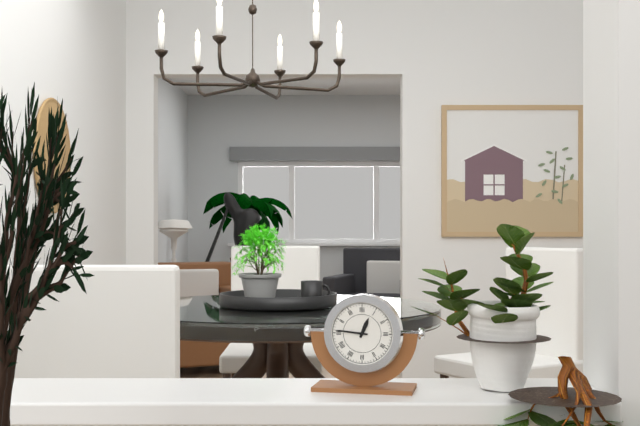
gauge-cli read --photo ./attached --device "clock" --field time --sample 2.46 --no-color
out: 12.46
